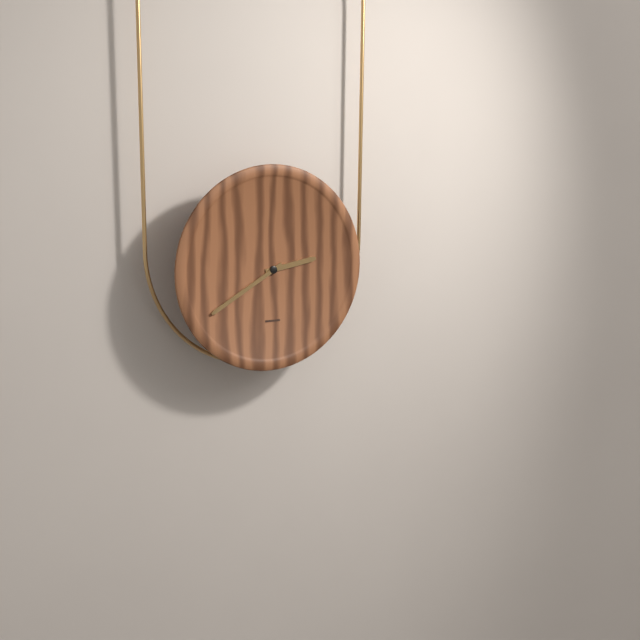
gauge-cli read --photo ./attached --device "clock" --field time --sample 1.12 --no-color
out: 2.40
